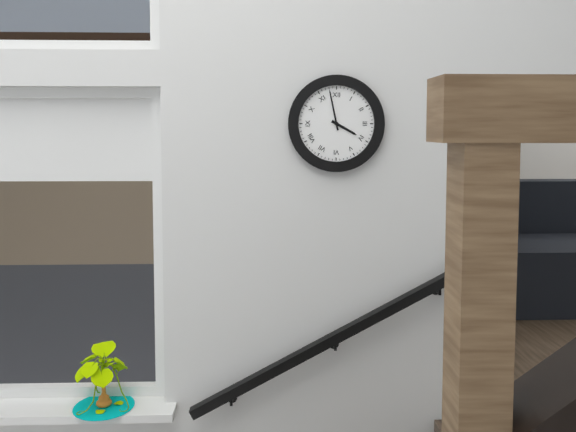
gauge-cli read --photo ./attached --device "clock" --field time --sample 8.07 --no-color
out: 3.58
